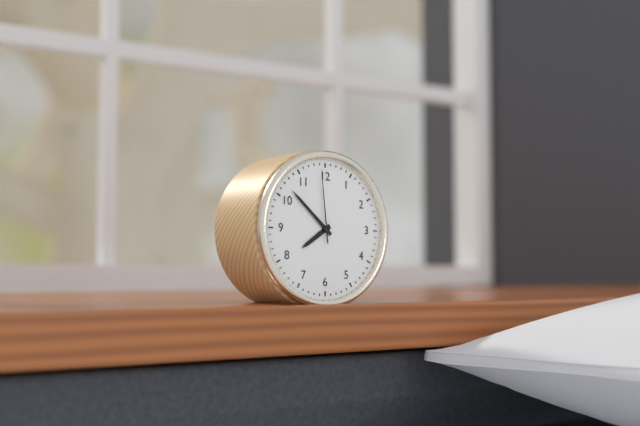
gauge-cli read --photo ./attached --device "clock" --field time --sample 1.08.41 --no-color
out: 7.52.59
